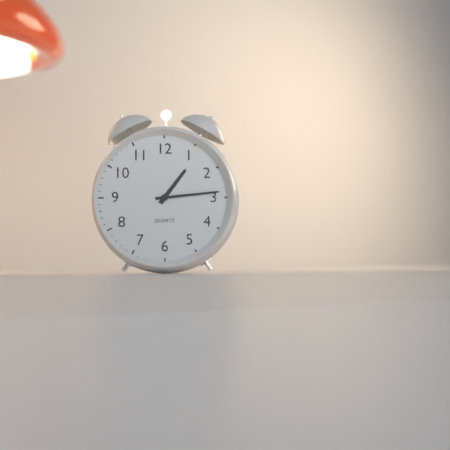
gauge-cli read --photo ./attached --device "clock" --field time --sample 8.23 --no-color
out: 1.14
